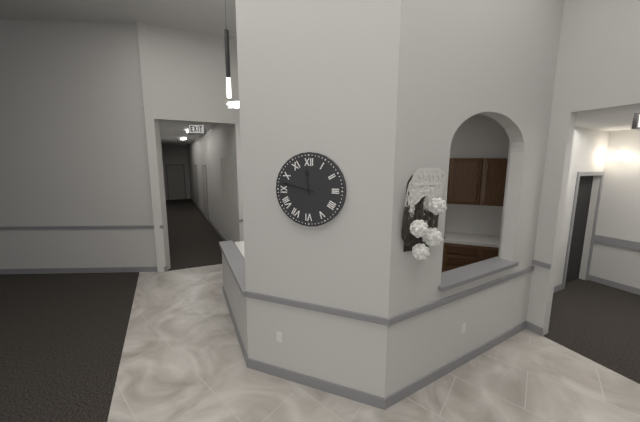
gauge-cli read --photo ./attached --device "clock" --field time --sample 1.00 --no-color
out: 11.47
